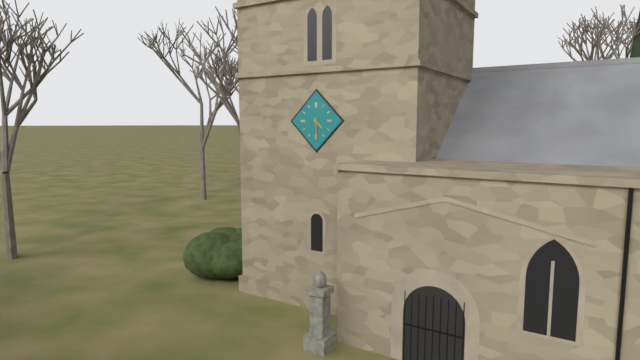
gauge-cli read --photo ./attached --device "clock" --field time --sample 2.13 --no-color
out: 4.29
